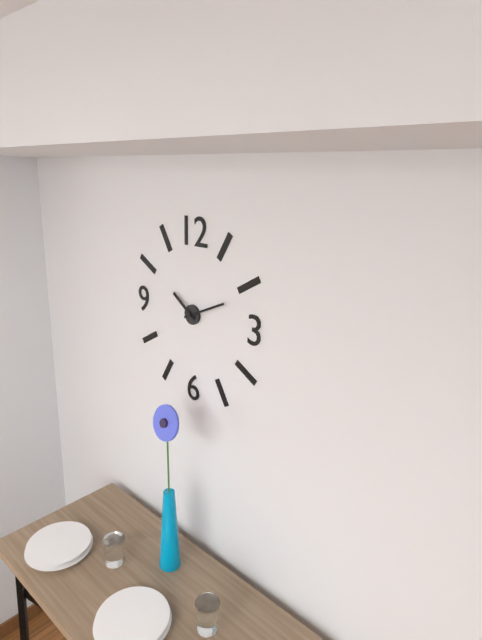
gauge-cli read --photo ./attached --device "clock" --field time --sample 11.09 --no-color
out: 10.11
